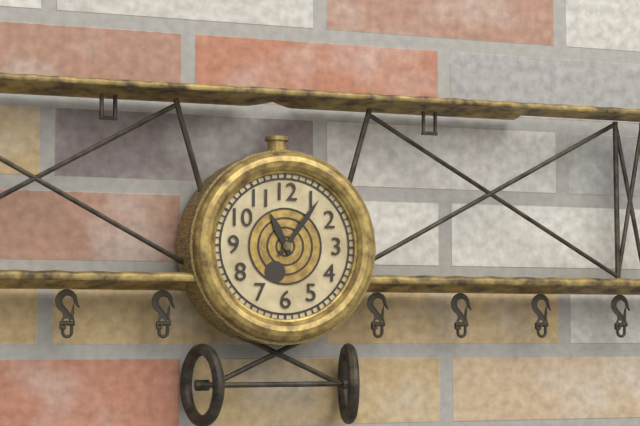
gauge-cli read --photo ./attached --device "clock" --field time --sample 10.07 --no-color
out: 11.06
